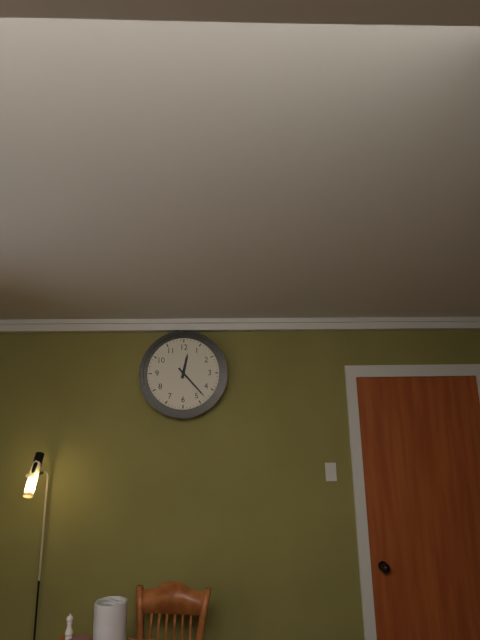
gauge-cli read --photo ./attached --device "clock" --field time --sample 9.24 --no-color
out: 12.23
